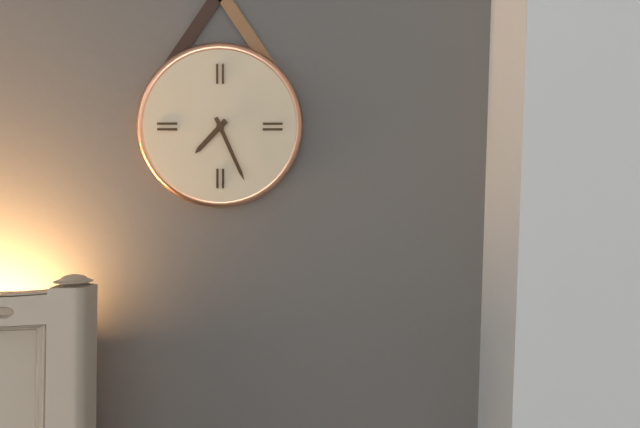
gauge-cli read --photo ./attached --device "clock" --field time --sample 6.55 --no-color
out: 7.26
